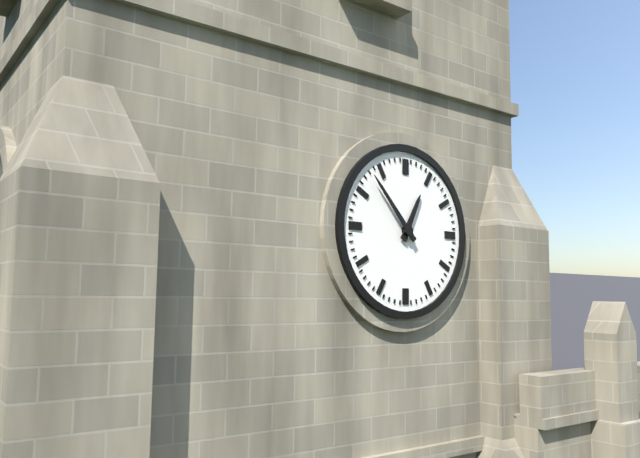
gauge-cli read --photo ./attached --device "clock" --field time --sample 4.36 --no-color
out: 12.53
